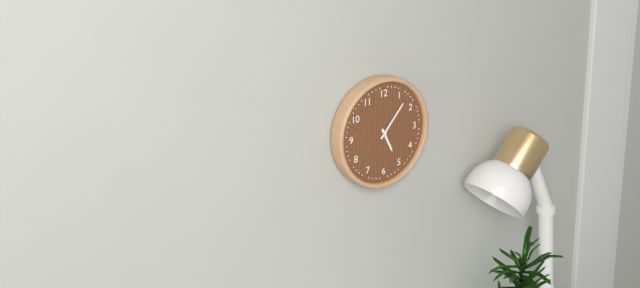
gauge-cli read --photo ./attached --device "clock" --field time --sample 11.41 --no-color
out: 5.07
